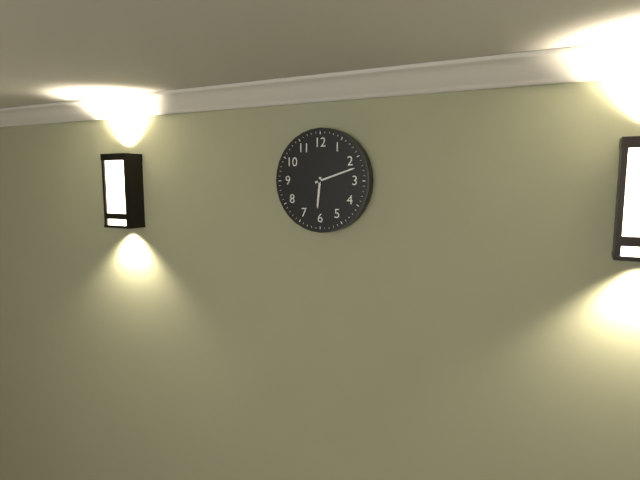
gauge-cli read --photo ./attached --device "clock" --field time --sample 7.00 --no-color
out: 6.12
